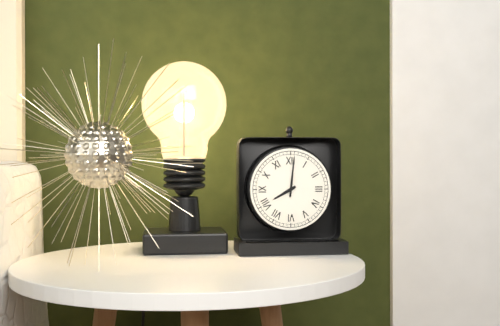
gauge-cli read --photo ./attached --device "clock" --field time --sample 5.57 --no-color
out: 8.01
